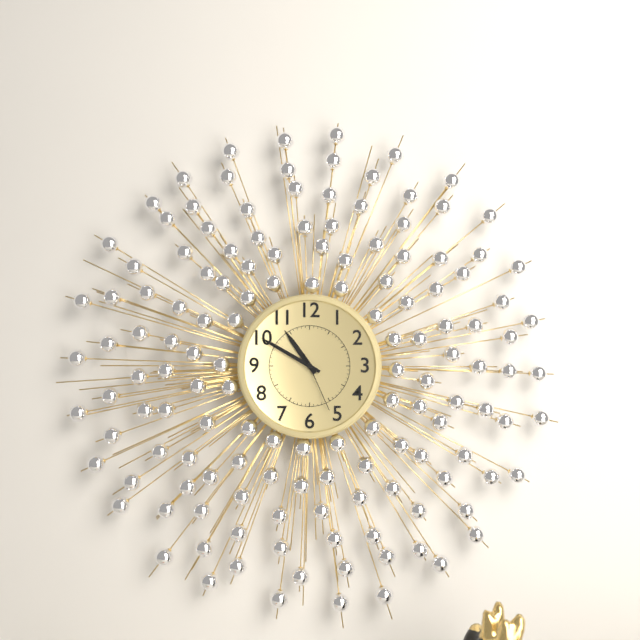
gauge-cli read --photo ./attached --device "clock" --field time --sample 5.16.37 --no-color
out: 10.50.26
